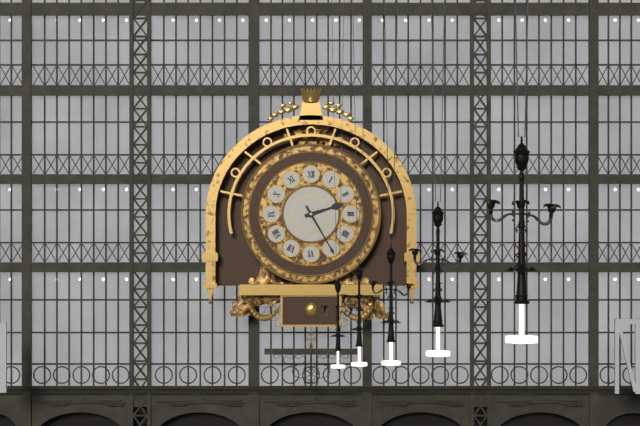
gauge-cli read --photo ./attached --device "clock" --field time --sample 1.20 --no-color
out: 2.25
